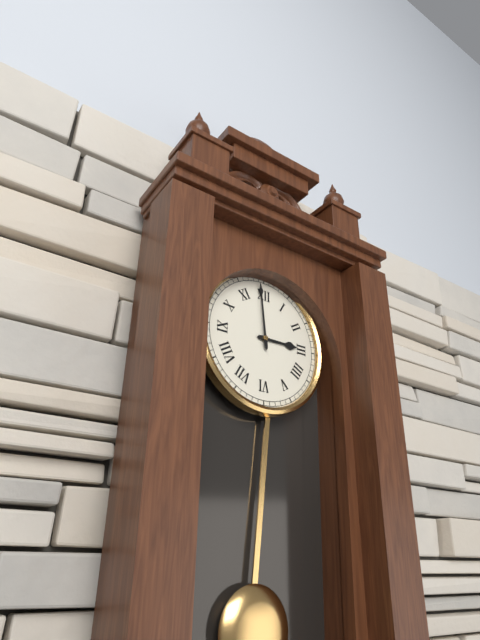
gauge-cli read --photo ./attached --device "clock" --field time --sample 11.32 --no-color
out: 2.59
